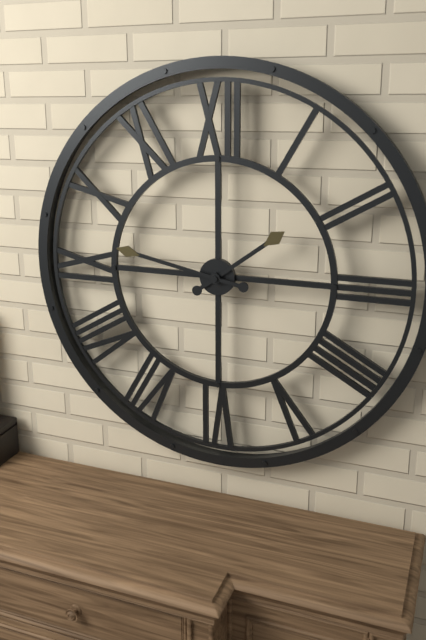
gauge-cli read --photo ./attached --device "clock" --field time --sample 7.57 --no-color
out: 1.47
